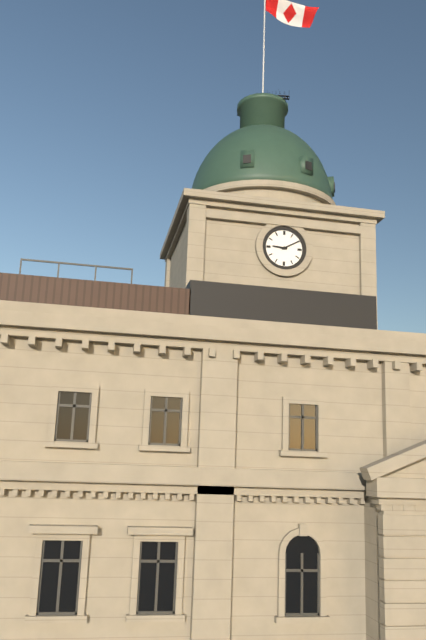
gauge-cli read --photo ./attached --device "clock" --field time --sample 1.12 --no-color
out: 9.10
